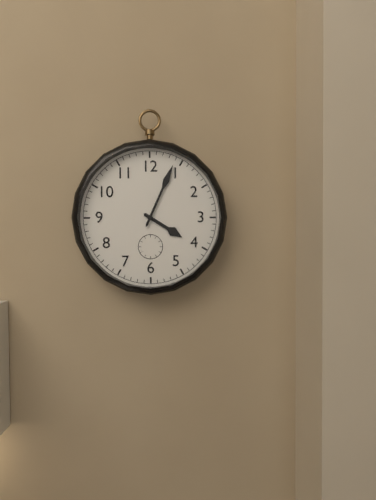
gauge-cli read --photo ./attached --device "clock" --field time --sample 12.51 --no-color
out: 4.04
